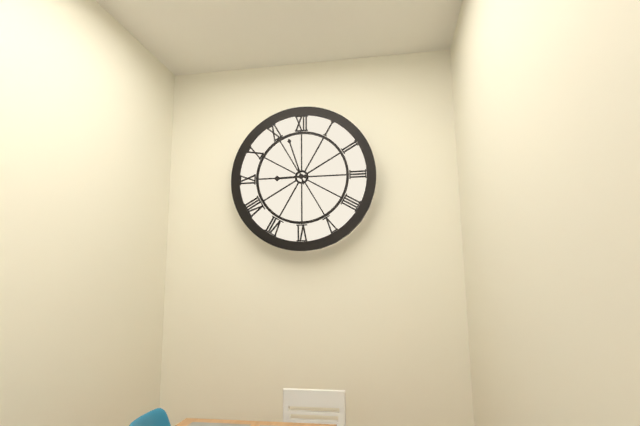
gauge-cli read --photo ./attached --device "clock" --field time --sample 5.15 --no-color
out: 8.57
